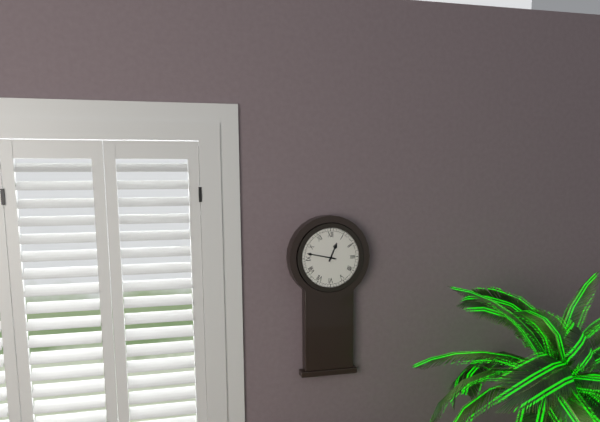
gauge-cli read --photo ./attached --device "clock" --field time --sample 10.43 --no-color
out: 12.47
